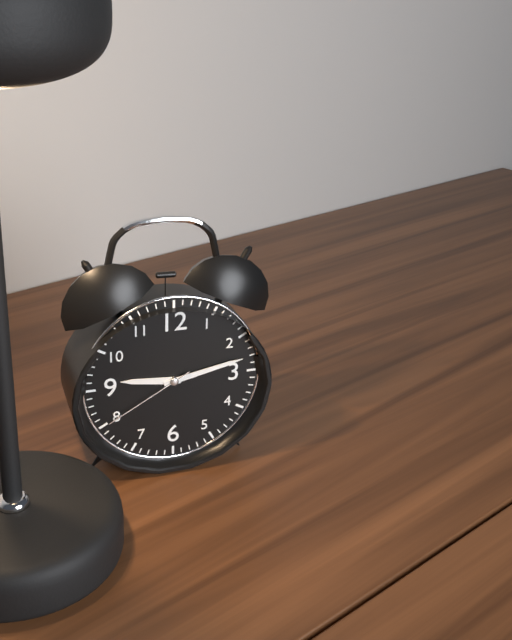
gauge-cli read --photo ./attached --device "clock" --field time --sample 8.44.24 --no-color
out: 9.13.40
